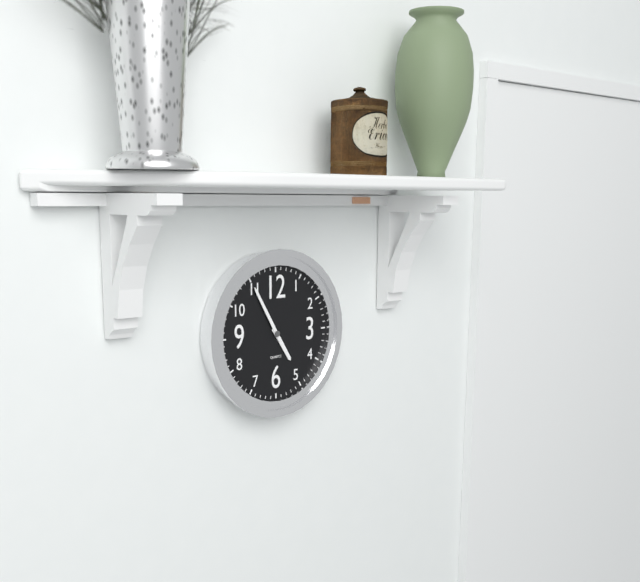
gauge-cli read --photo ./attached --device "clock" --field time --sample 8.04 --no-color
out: 4.55
